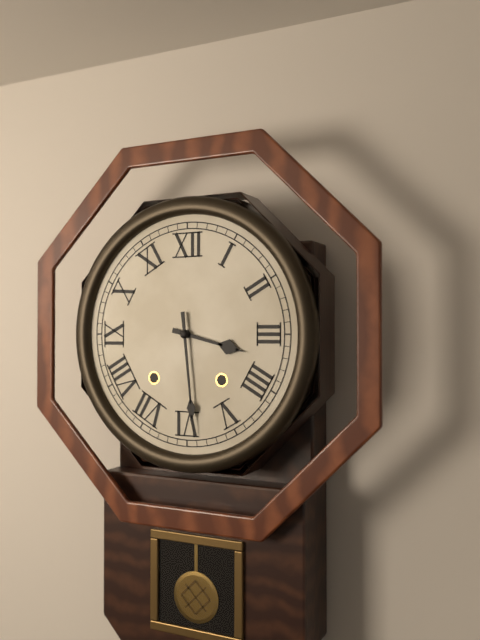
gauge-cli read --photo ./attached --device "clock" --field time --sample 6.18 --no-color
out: 3.29
